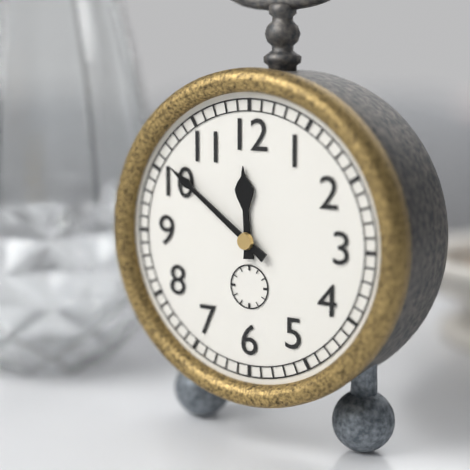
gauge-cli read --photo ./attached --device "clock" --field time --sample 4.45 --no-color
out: 11.51
